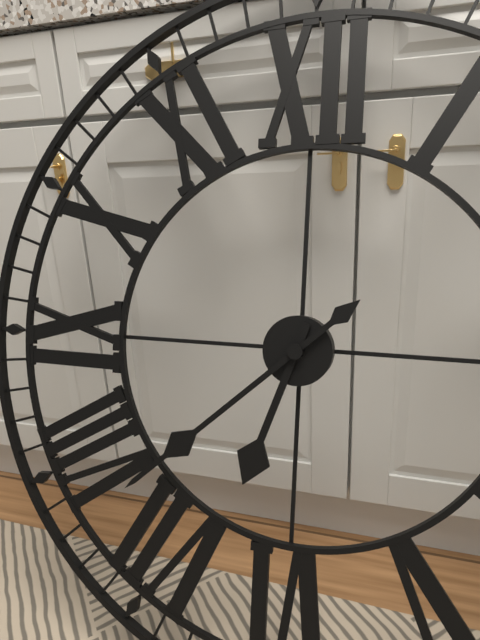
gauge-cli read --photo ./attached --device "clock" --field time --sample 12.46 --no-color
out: 6.38
